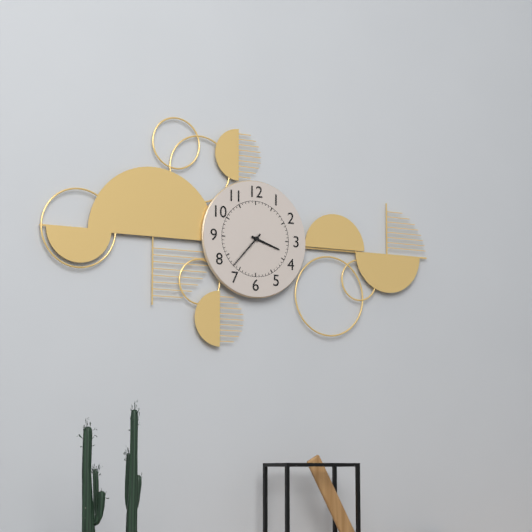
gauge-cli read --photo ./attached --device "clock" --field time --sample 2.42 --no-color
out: 3.37
